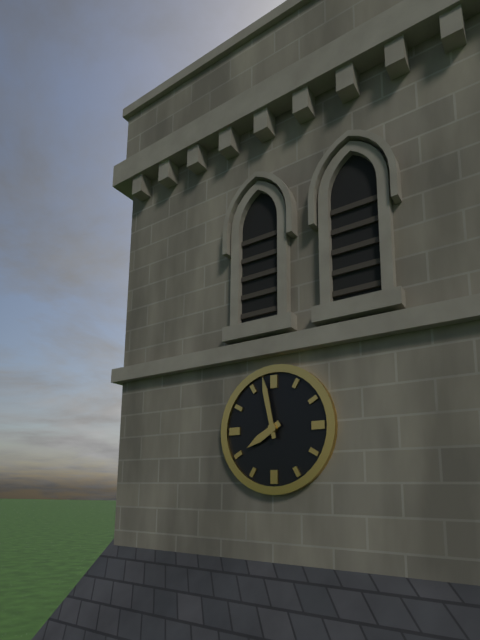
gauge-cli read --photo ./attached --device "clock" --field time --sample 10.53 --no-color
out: 7.58
